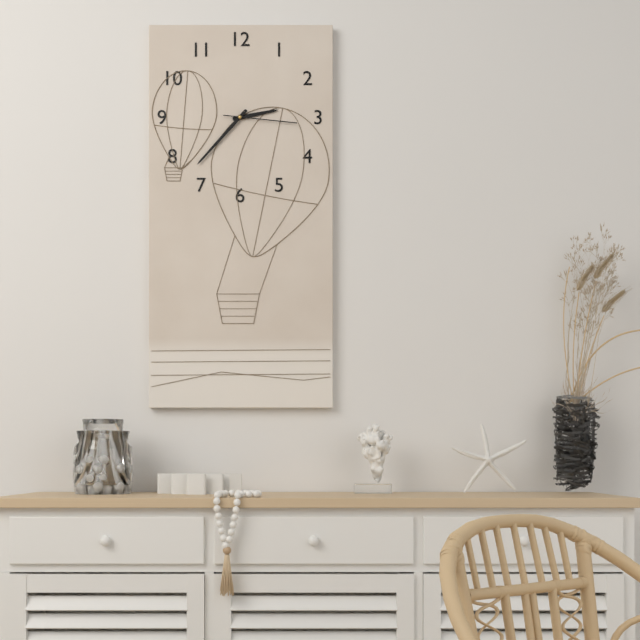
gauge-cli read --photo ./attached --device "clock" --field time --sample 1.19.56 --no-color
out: 2.37.16
